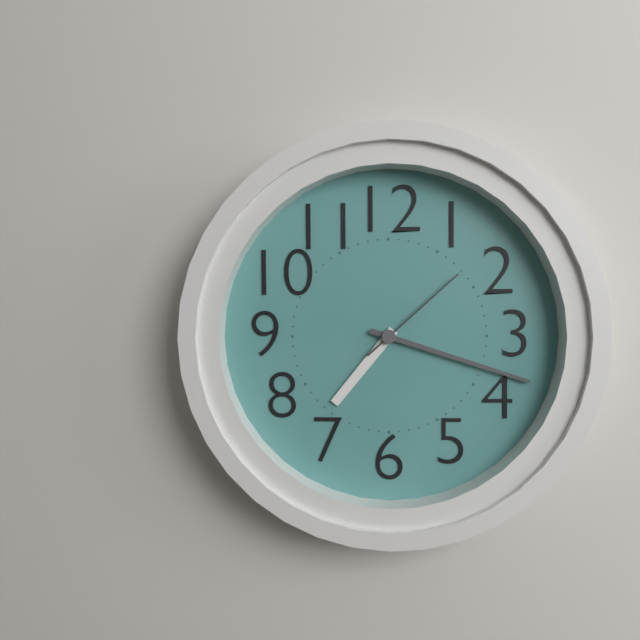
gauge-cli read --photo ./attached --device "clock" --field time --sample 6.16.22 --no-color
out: 7.18.08
